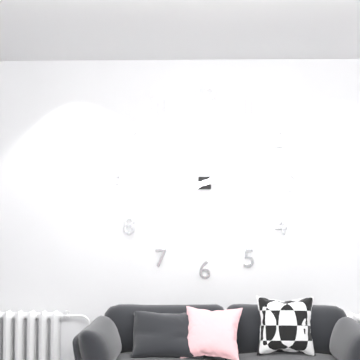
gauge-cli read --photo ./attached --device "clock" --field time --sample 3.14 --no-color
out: 2.40
